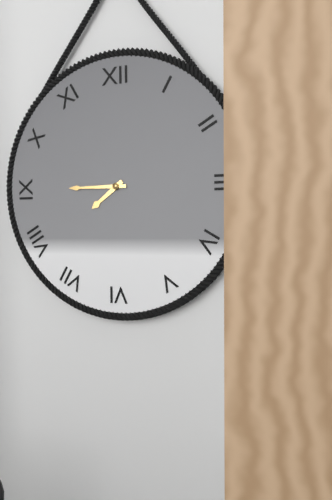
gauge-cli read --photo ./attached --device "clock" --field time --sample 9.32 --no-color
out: 7.45
